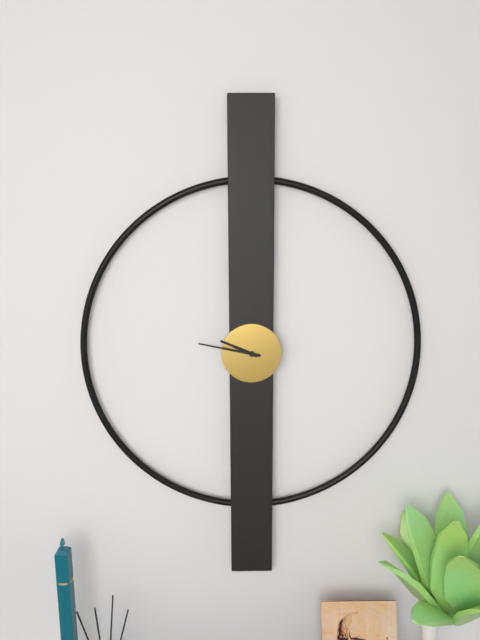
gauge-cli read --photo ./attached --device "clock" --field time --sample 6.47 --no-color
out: 9.47
